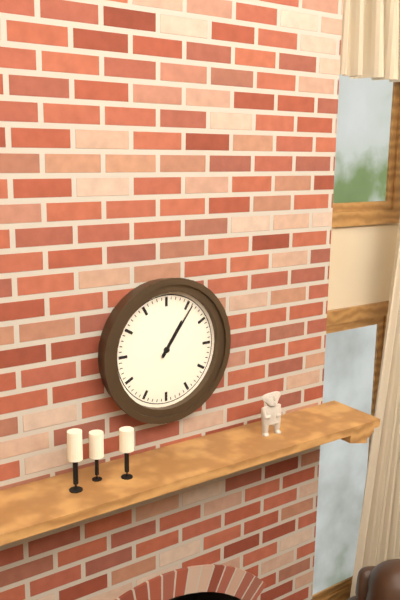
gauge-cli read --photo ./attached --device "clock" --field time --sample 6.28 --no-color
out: 1.06
